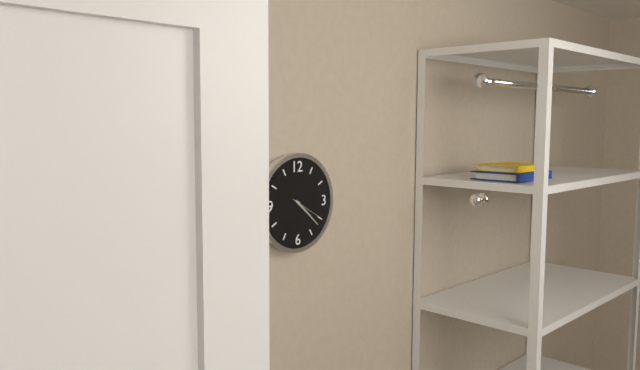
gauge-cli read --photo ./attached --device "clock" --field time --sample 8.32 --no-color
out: 4.22
